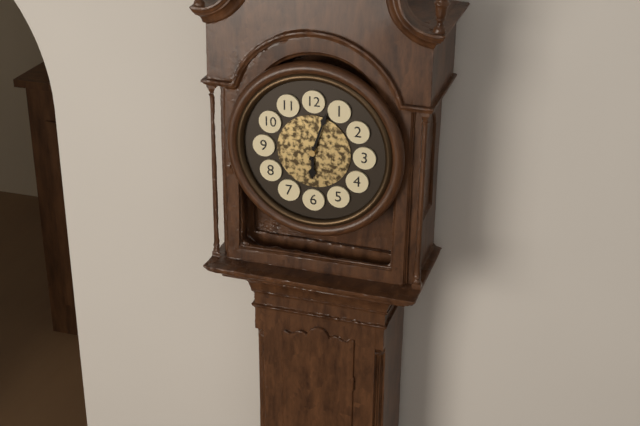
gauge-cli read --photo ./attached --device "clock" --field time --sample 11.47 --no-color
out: 6.03
